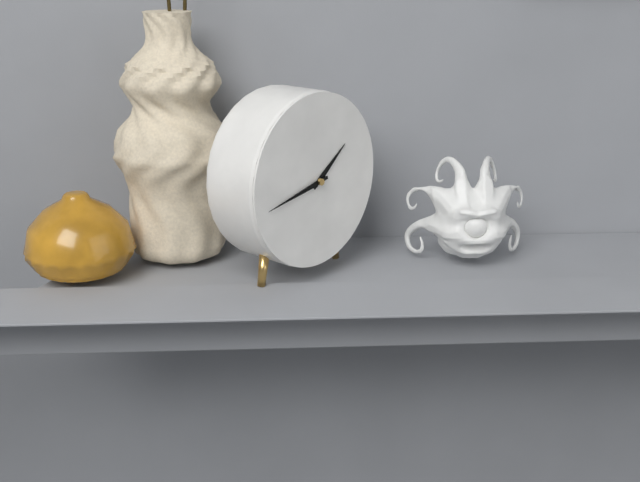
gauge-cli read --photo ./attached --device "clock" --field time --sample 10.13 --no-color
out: 1.43
